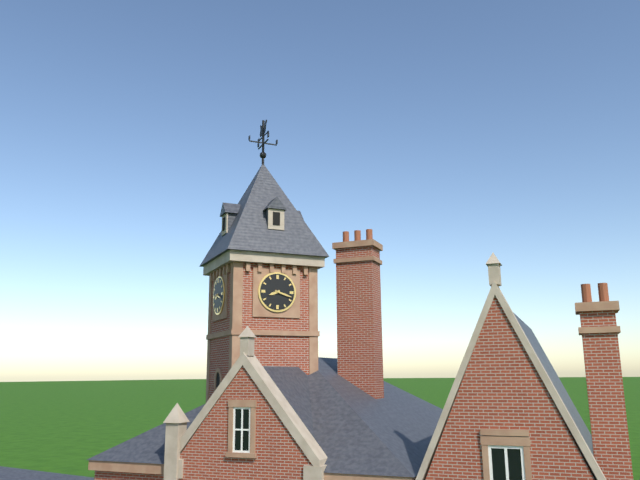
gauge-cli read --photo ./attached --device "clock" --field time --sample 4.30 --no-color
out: 8.18
